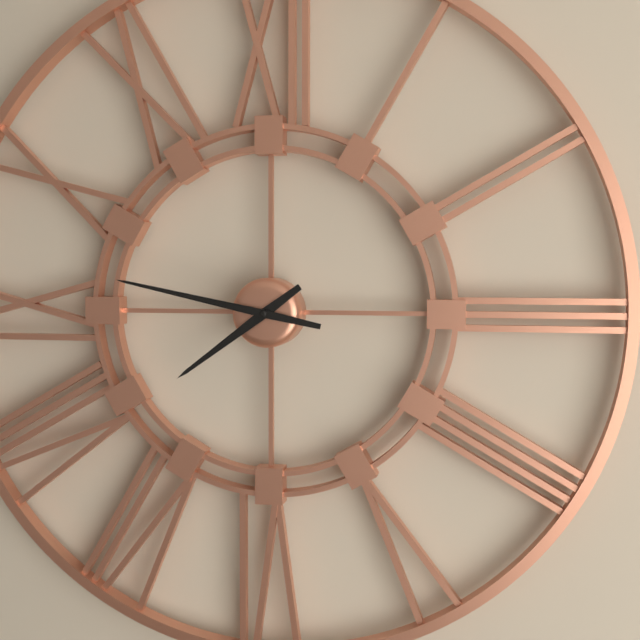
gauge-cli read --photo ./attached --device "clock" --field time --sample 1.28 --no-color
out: 7.47
